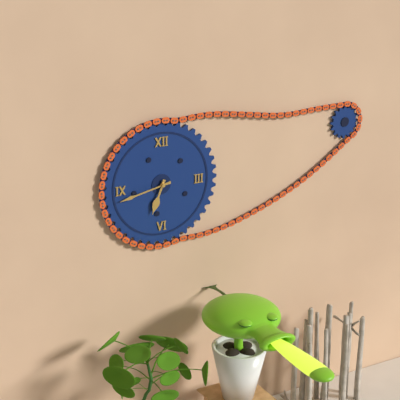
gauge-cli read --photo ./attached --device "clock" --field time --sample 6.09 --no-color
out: 6.43
